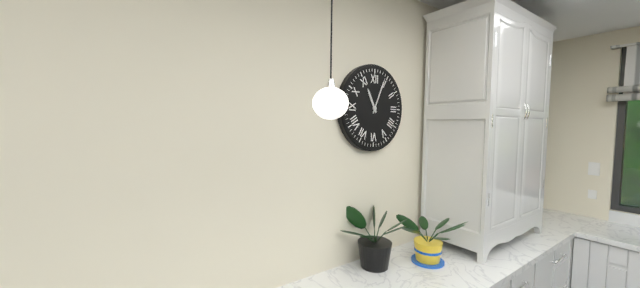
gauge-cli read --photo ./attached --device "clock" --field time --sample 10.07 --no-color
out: 11.04
